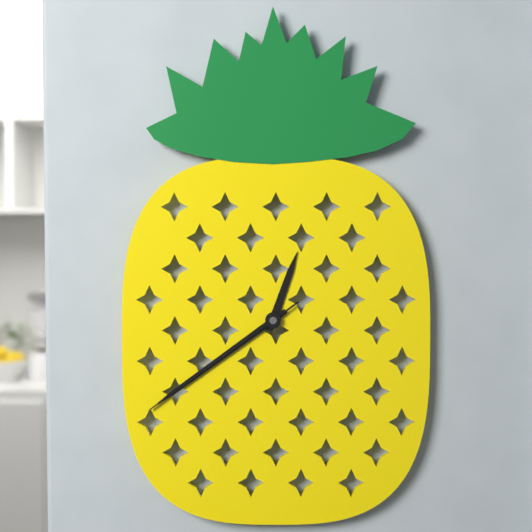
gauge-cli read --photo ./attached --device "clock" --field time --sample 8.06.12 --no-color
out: 12.39.39
